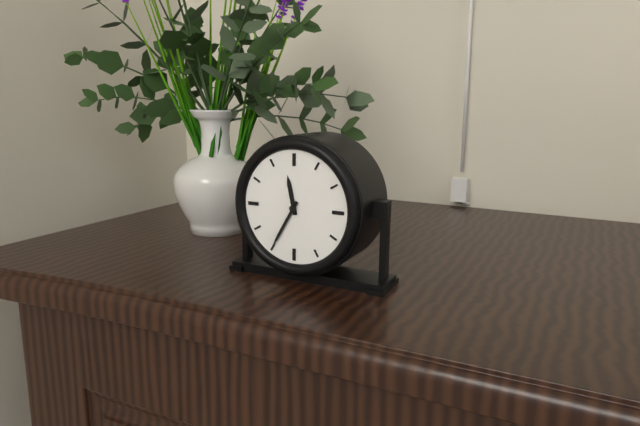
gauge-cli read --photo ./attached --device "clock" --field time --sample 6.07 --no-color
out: 11.35
